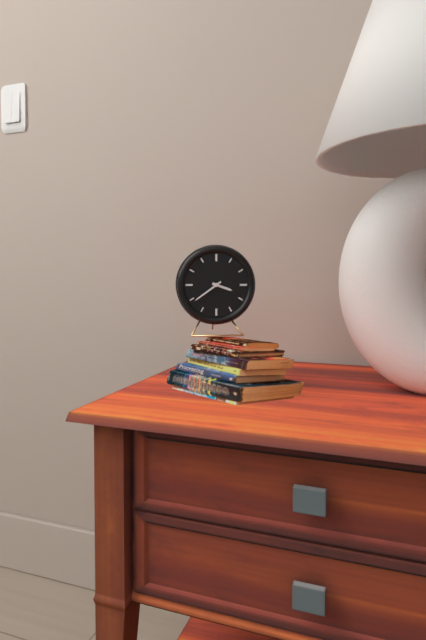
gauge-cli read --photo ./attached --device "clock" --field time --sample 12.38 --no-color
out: 3.39
